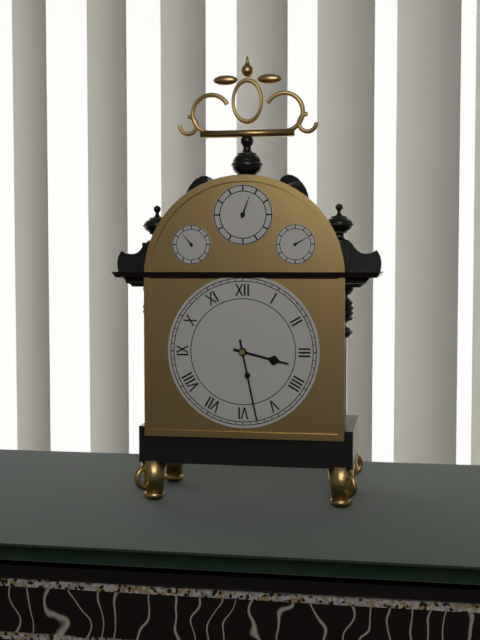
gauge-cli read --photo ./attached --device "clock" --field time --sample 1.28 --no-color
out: 3.28
